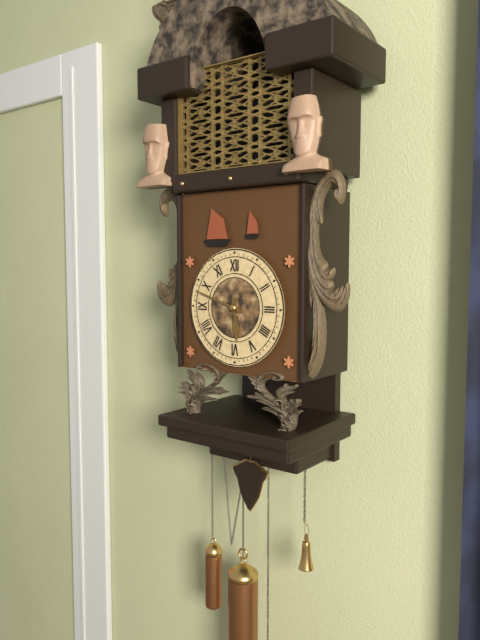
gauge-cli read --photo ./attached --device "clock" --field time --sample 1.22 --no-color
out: 5.48
